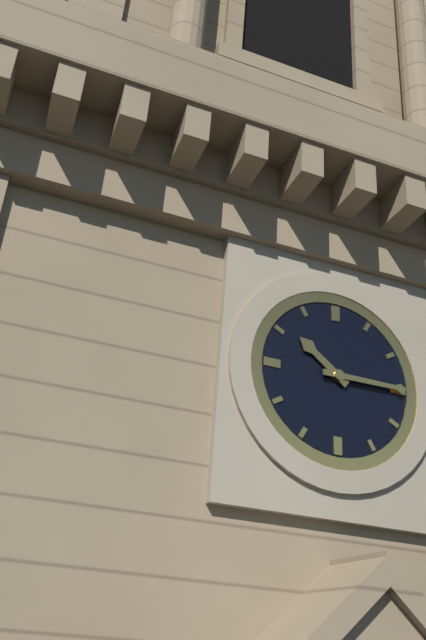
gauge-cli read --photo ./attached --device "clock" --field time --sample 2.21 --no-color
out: 10.15
